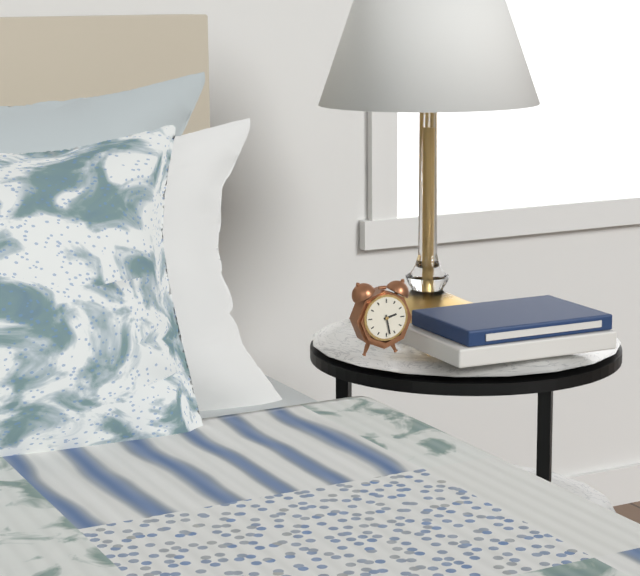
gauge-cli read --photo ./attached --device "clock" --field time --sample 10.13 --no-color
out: 2.28
